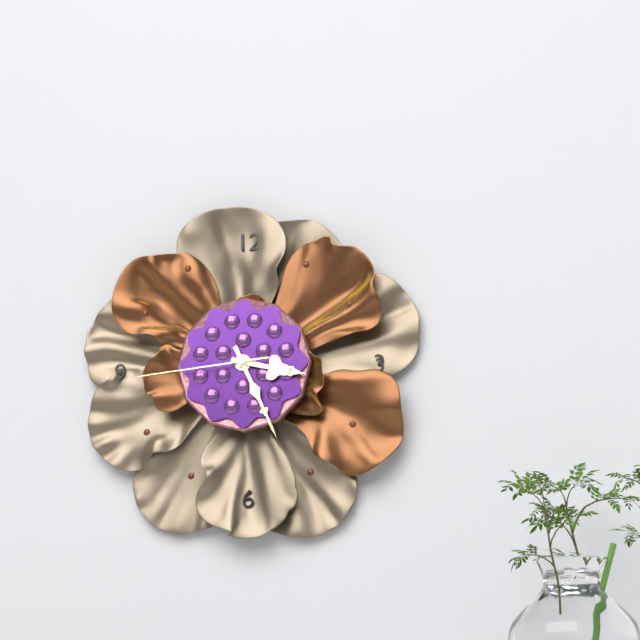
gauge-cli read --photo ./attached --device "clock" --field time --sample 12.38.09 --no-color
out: 3.26.44
